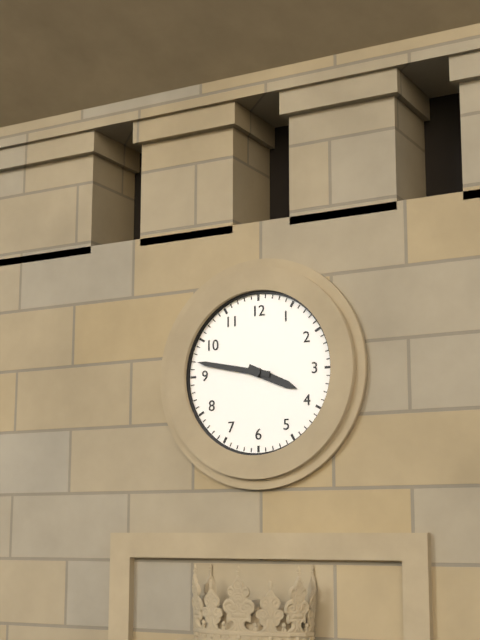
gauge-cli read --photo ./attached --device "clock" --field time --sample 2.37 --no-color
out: 3.47
